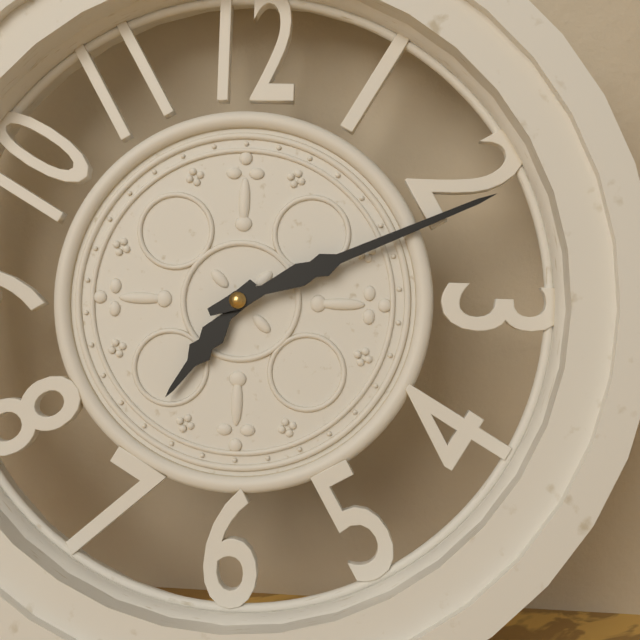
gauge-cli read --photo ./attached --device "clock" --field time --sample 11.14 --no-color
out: 7.11
